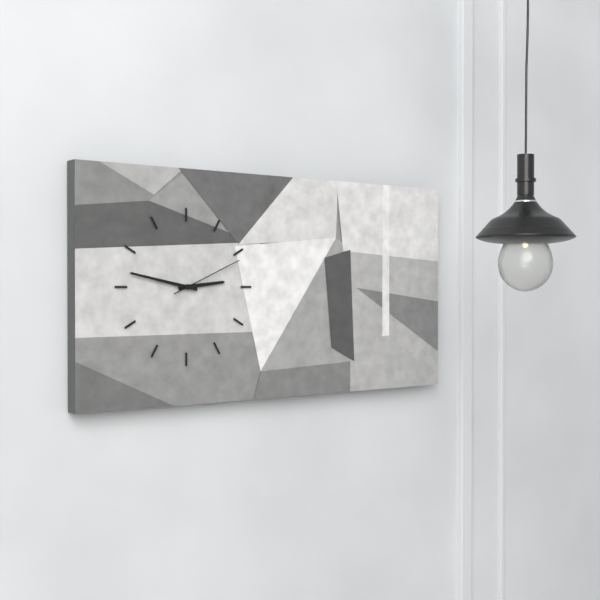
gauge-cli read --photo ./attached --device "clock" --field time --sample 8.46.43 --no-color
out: 2.47.11
